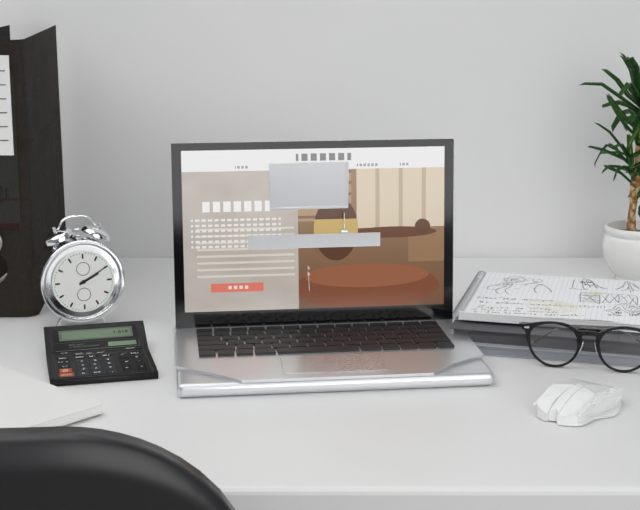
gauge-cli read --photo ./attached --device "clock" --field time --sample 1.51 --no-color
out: 2.10
